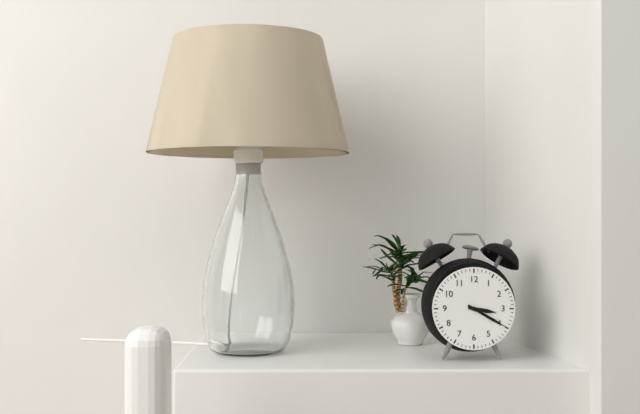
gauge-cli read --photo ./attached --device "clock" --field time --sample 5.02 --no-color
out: 3.20
